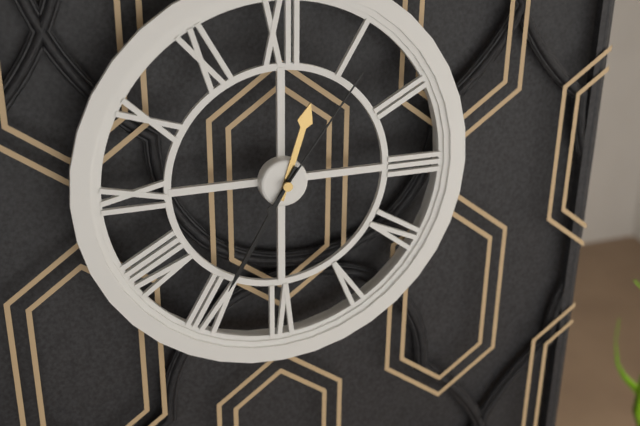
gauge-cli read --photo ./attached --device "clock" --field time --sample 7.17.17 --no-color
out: 12.35.06
